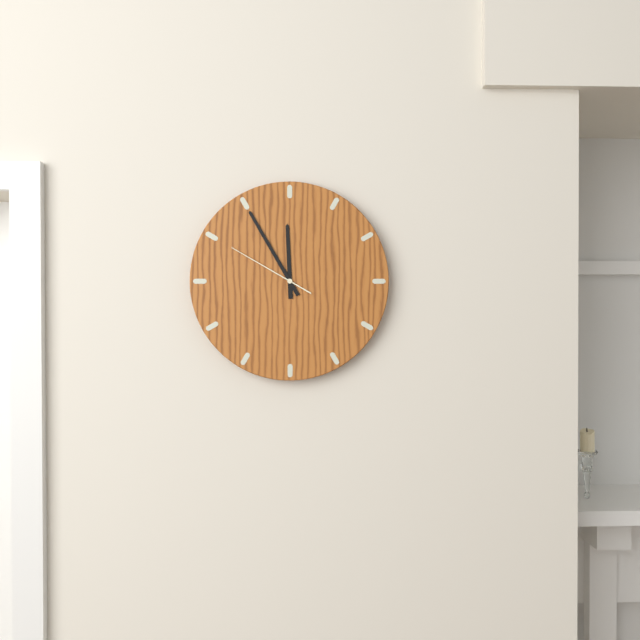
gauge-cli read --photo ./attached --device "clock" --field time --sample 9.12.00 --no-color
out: 11.55.50
